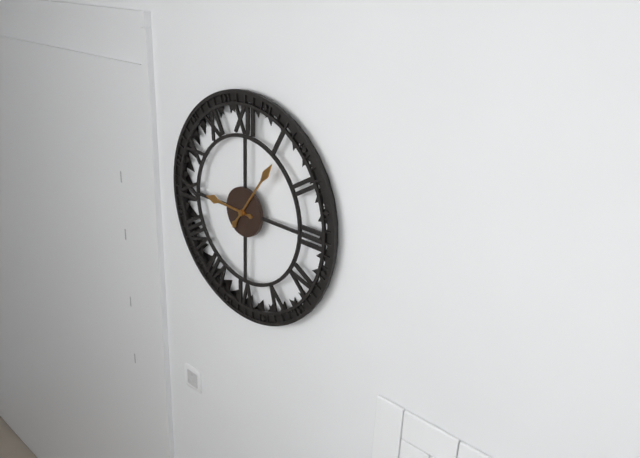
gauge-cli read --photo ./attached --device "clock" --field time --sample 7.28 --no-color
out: 9.06
